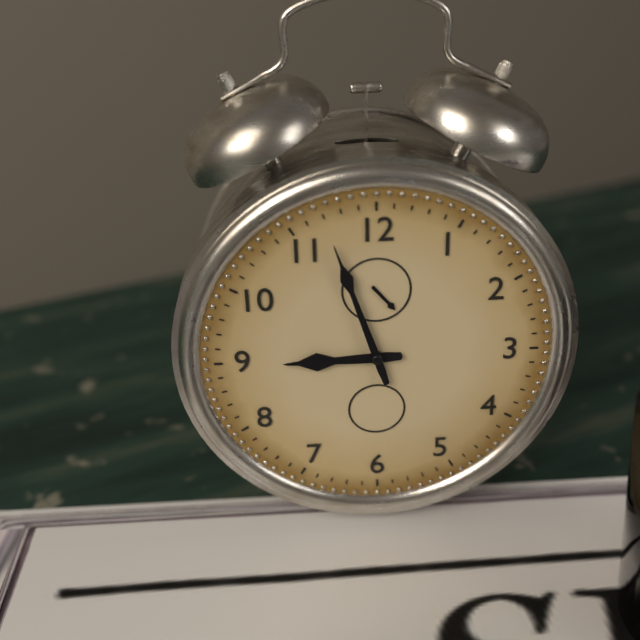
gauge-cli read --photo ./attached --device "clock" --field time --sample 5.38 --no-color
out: 8.57
